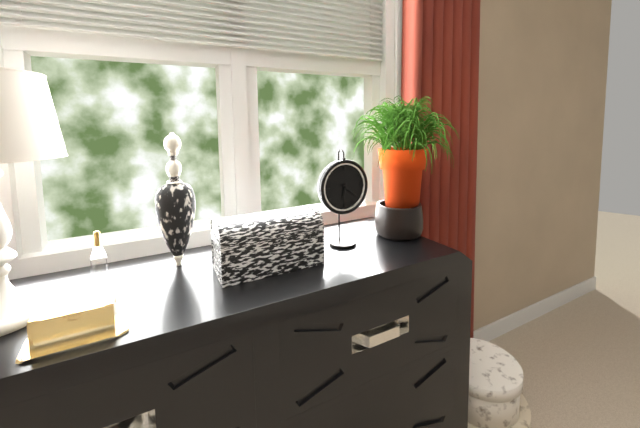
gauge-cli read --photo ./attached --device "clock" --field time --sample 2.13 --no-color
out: 6.21
